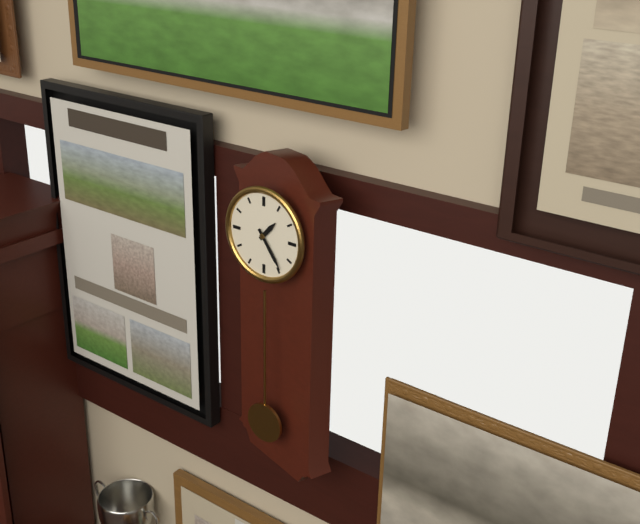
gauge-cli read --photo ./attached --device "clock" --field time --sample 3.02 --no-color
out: 1.24
